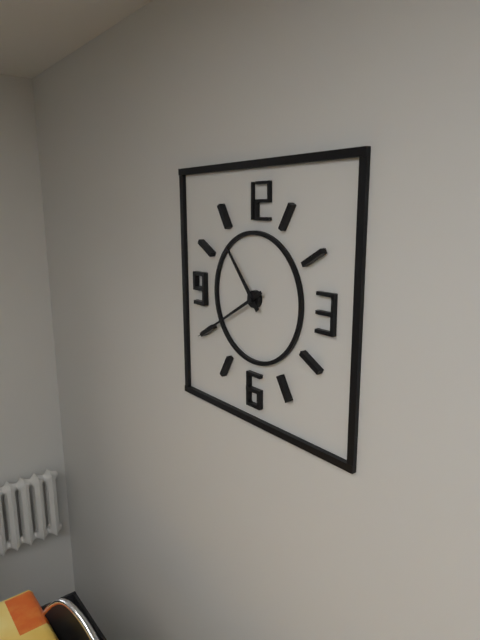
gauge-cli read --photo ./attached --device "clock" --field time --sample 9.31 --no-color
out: 10.40
